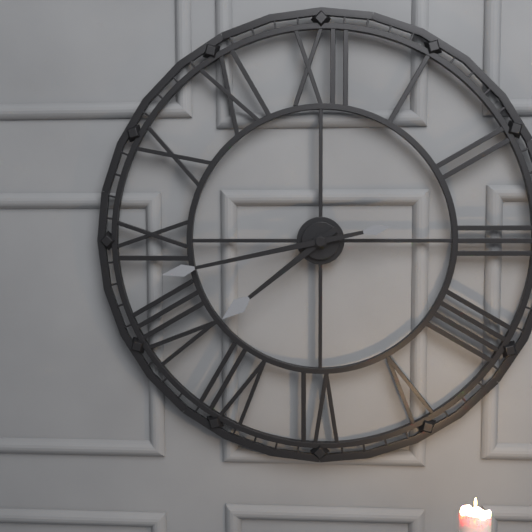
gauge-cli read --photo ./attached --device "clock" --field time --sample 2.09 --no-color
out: 7.43
